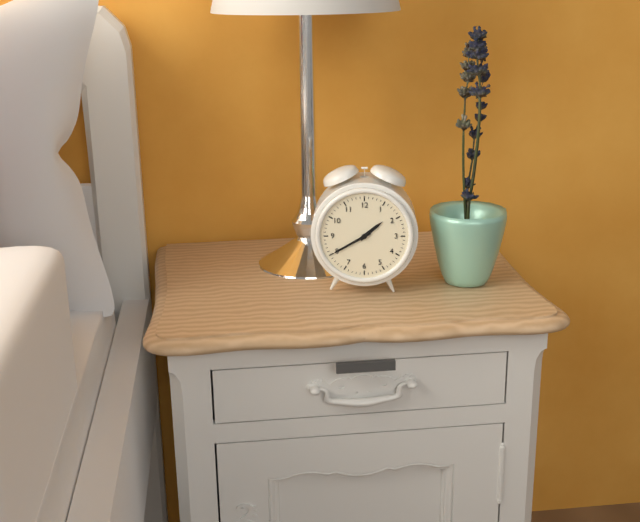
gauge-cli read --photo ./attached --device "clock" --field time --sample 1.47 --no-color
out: 1.40
